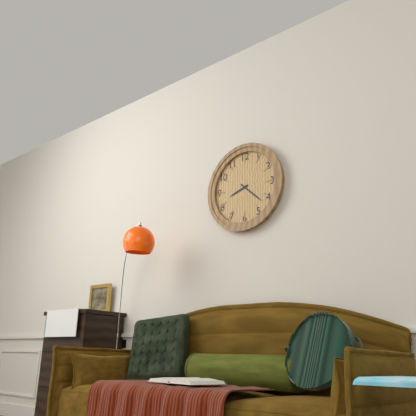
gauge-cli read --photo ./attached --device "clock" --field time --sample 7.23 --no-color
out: 8.22
